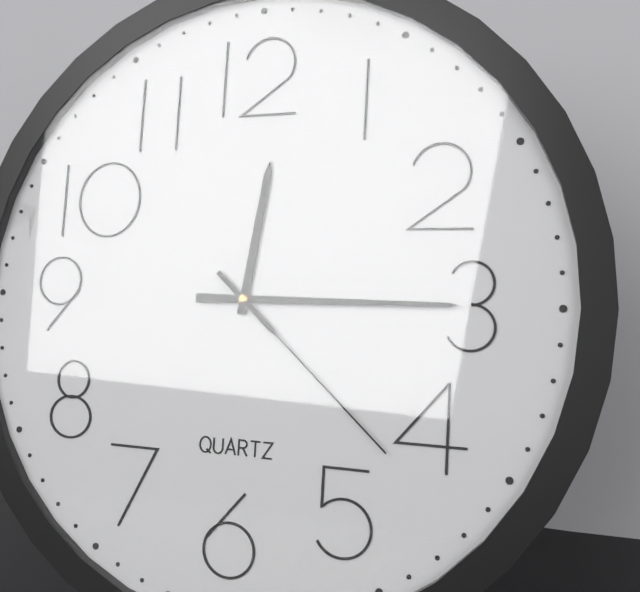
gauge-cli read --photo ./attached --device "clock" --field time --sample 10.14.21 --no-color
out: 12.15.22
